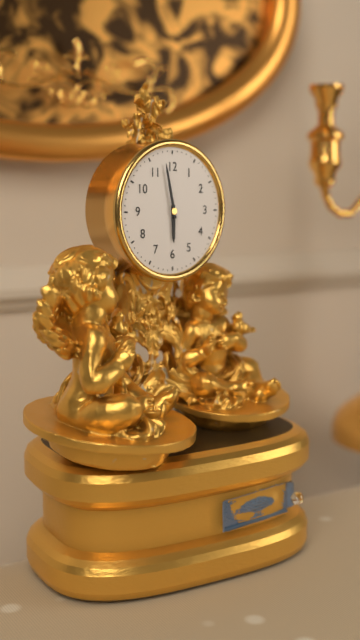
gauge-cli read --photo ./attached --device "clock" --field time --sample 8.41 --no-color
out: 5.58
